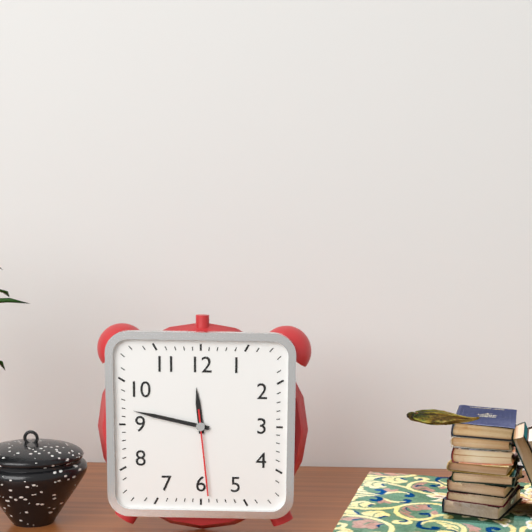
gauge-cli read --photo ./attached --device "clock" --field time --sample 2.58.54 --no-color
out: 11.47.29
